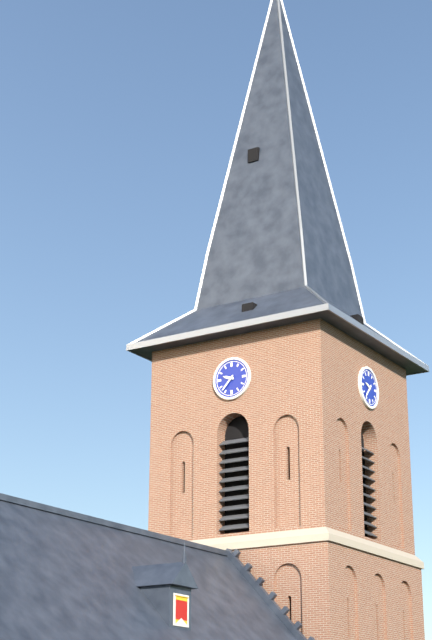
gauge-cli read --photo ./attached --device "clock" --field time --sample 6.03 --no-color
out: 9.37
